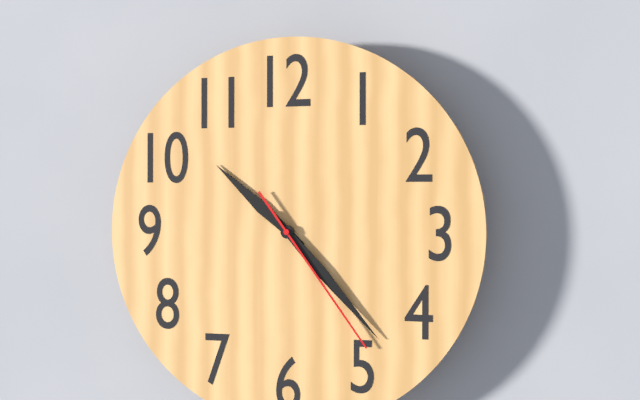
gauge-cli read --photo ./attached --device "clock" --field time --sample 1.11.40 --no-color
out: 10.23.24
